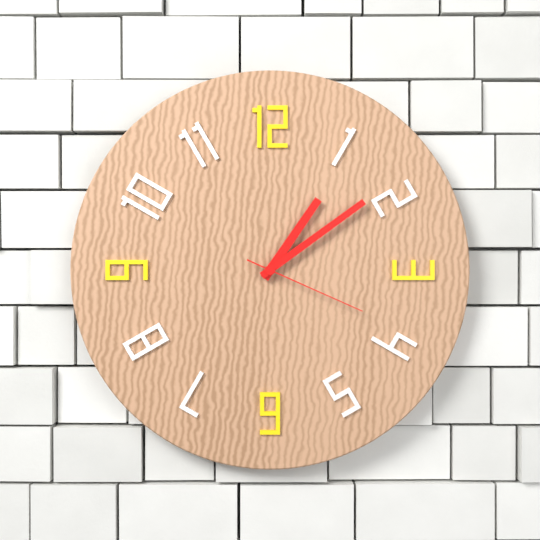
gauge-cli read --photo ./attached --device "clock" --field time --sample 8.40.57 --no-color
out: 1.09.19
